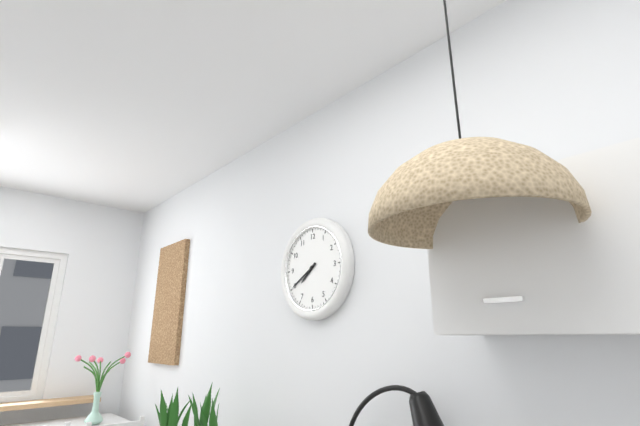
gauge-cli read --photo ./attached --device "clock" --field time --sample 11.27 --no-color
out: 7.40
